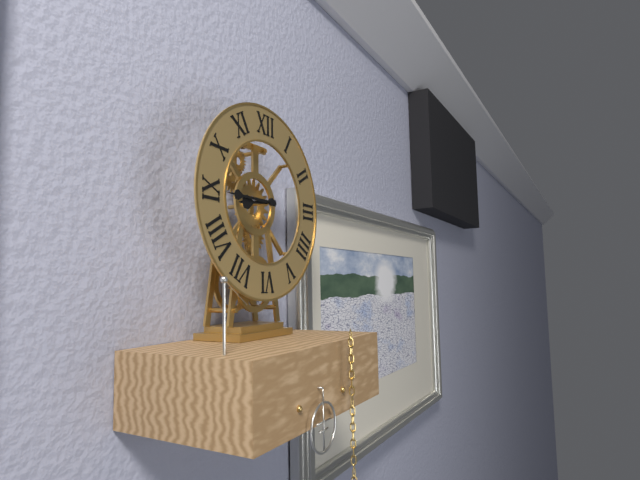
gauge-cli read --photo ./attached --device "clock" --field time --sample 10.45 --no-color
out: 8.45
